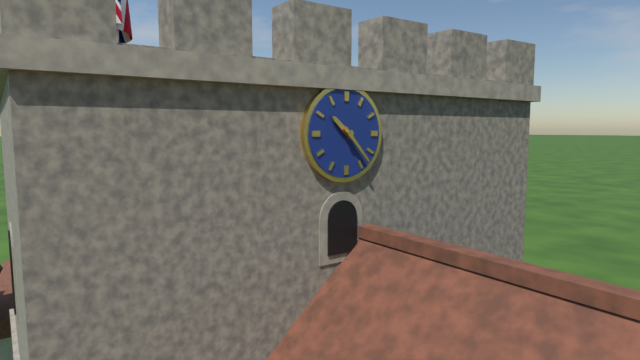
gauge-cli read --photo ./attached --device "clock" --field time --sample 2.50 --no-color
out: 10.23
